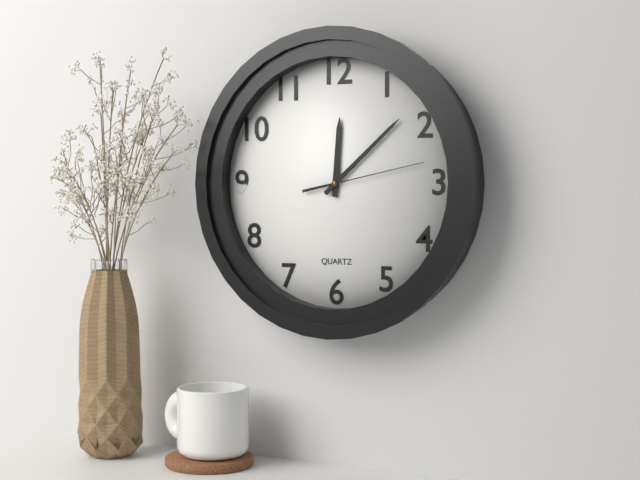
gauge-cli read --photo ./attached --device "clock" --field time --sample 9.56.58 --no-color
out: 12.08.13
